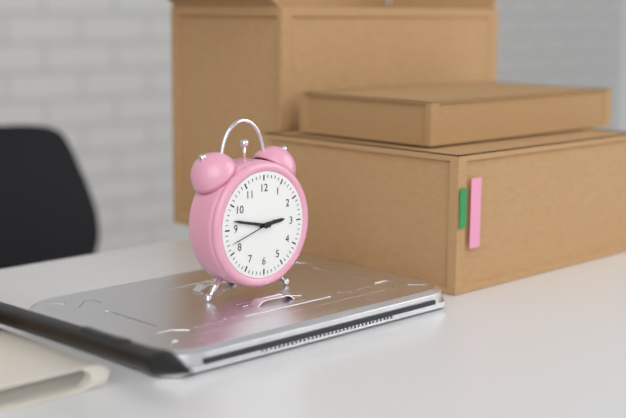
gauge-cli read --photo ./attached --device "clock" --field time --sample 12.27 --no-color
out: 2.47
